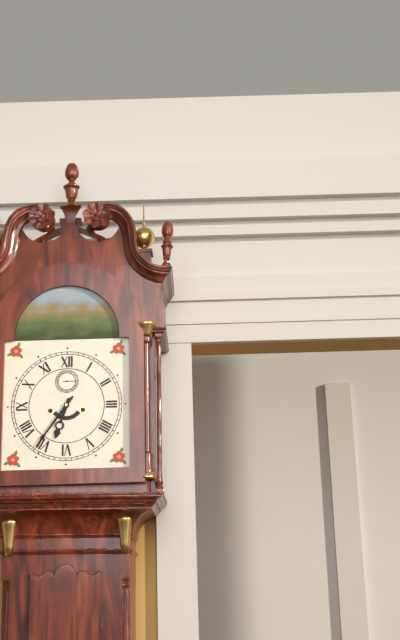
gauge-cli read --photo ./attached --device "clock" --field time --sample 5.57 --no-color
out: 6.36
